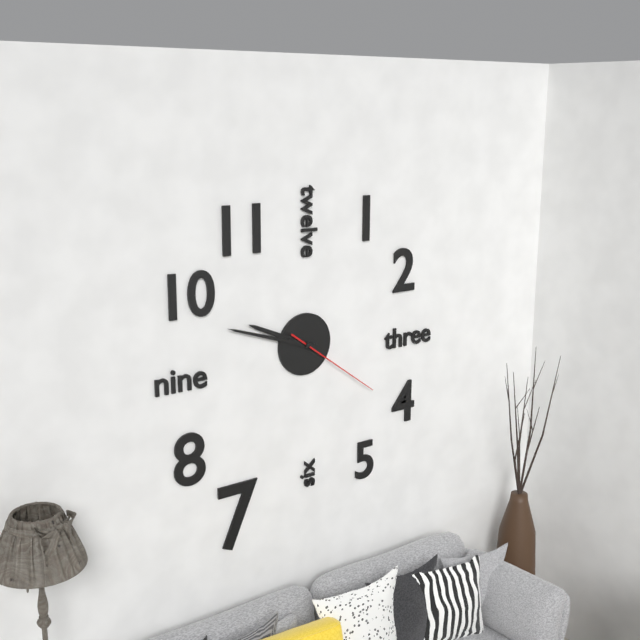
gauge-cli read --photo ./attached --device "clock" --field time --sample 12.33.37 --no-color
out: 9.48.21
